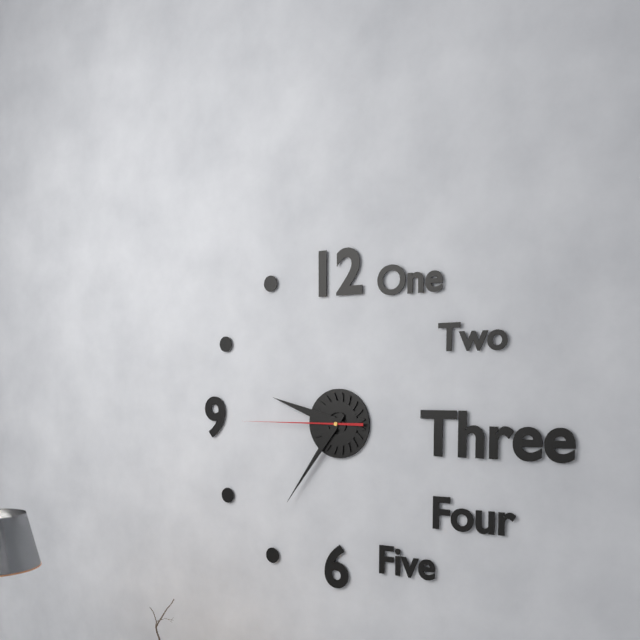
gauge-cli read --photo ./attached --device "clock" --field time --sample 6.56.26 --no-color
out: 9.36.45
